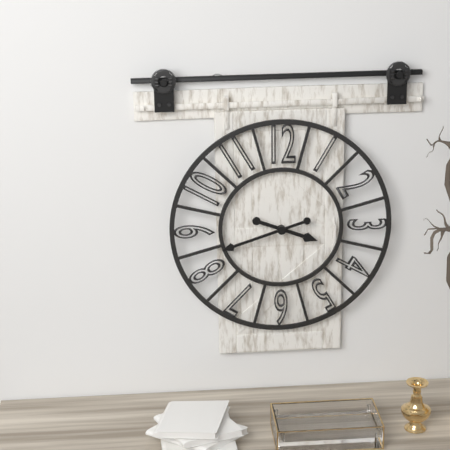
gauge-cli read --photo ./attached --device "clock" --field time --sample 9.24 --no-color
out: 3.42
